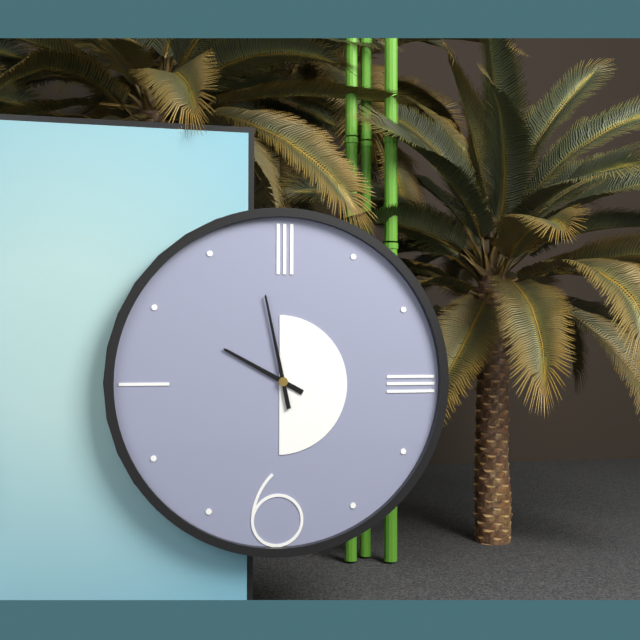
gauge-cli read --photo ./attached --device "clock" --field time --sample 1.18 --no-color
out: 9.58
